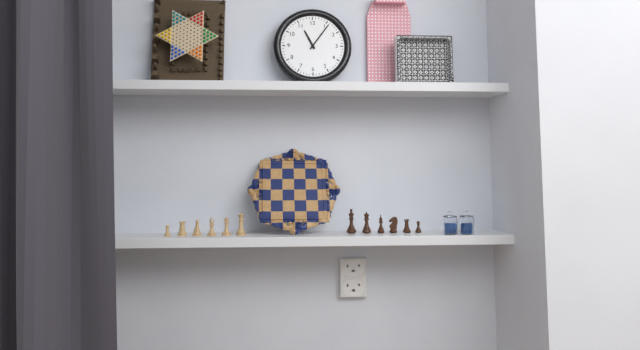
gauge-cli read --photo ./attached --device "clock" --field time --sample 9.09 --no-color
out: 11.06
